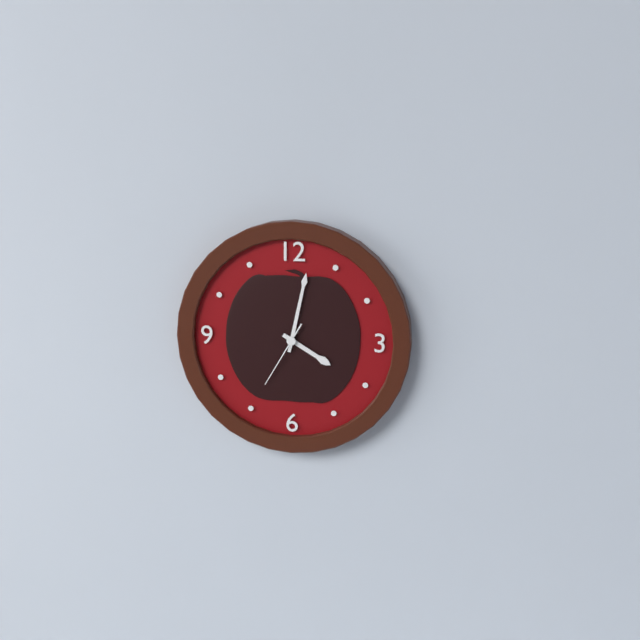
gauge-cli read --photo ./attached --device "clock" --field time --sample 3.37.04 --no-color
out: 4.02.35
